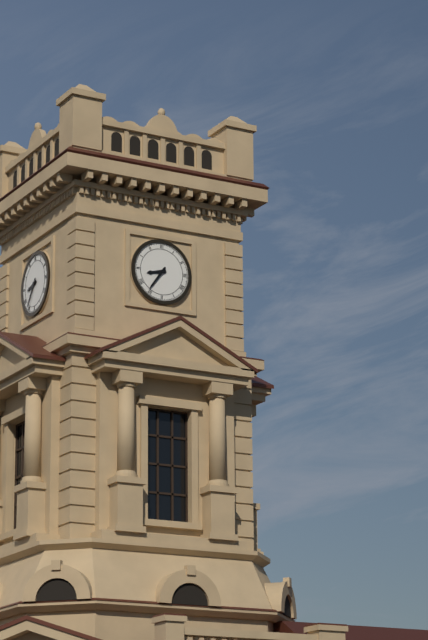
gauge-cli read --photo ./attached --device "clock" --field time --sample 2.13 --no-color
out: 8.36
